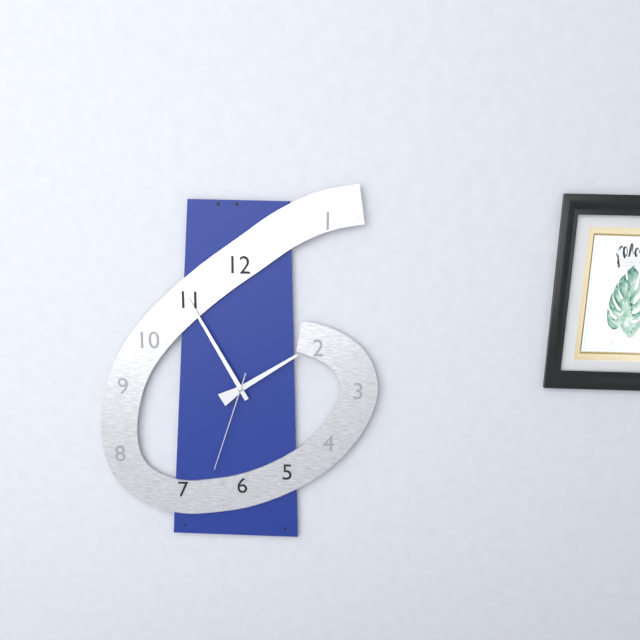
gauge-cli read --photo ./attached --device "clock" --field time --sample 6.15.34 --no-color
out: 1.55.33
